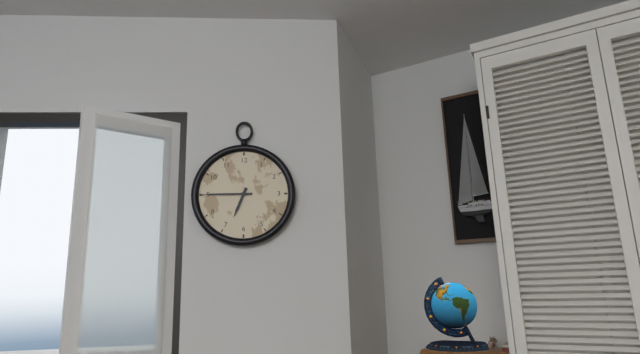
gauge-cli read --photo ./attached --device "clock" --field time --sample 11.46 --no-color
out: 6.45
